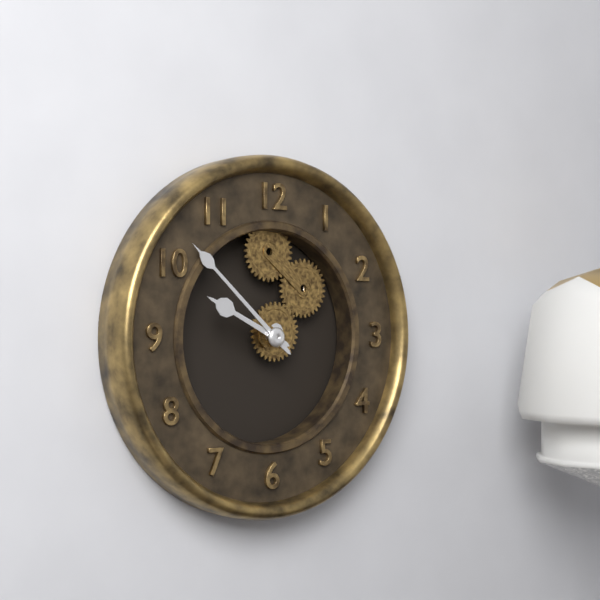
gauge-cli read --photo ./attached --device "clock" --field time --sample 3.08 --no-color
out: 9.52
